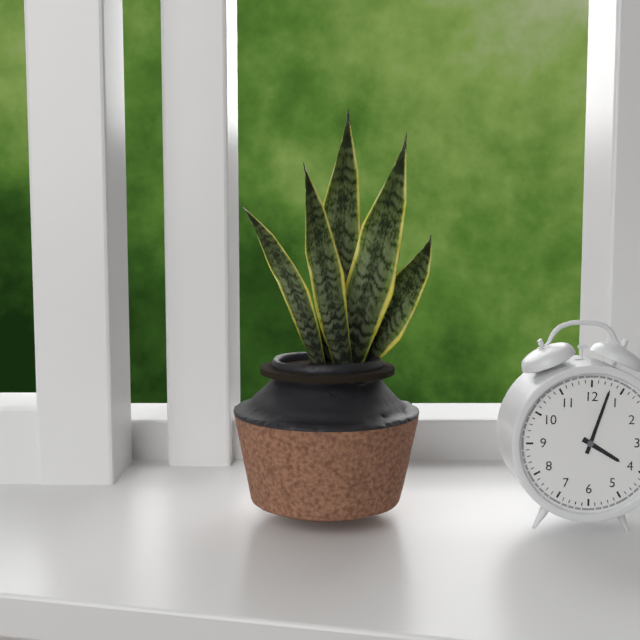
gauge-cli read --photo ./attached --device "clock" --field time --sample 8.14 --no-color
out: 4.03
